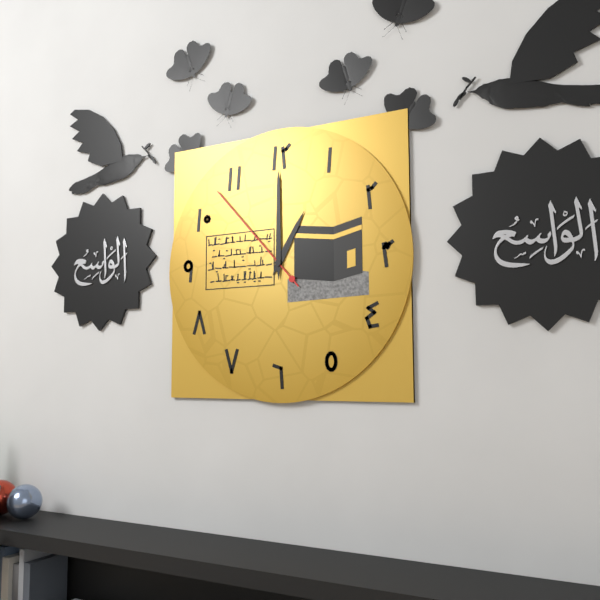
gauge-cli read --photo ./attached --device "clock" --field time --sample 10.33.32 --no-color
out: 1.00.53
